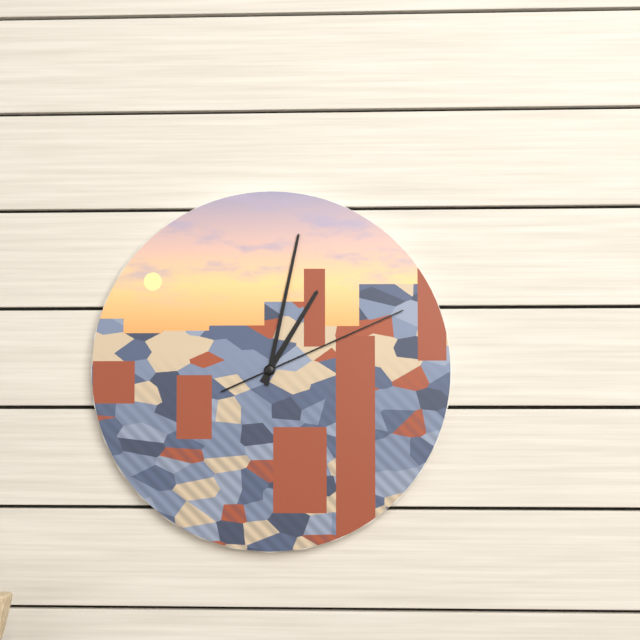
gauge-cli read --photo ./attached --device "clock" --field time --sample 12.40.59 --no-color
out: 1.02.11
